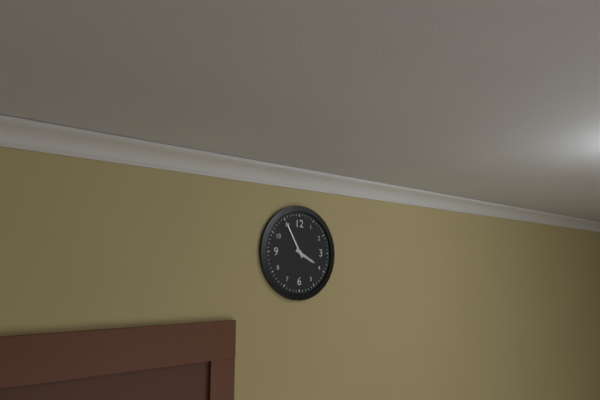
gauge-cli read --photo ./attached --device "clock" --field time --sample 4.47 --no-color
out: 3.55
